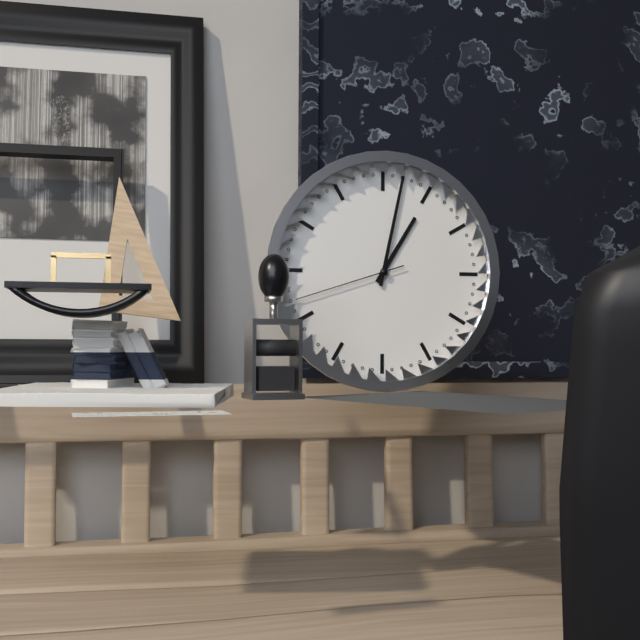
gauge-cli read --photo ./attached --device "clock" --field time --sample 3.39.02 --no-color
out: 1.02.42
